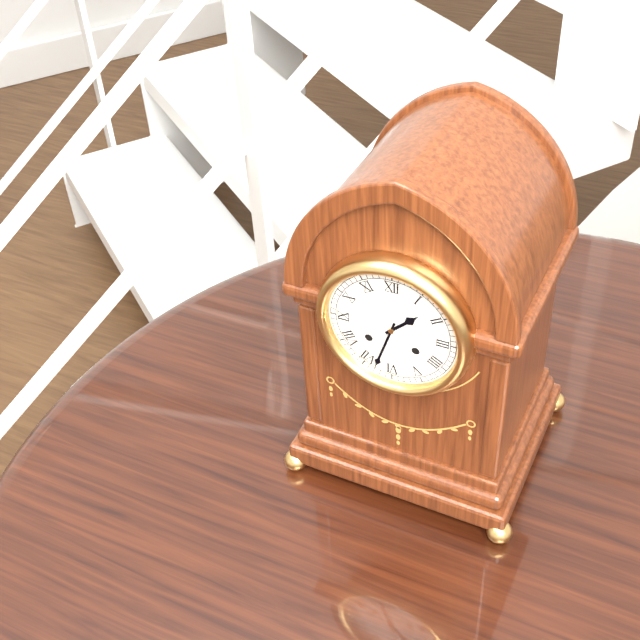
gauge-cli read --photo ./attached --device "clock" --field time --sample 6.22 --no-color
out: 1.33
